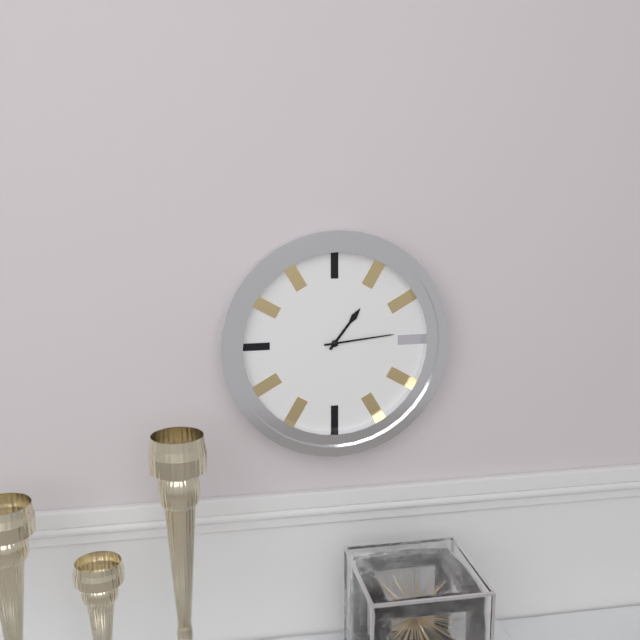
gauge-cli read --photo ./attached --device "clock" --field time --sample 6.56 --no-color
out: 1.14
